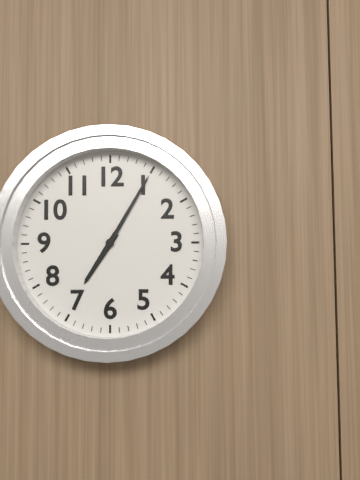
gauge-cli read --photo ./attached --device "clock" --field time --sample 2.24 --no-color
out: 7.05
